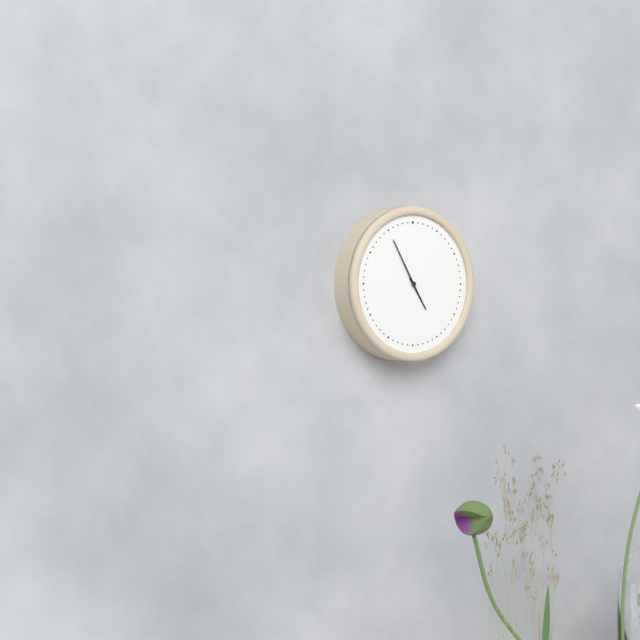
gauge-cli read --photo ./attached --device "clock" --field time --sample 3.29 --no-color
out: 4.55
